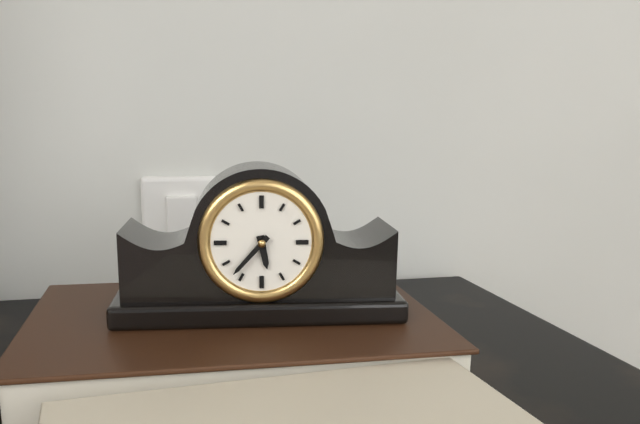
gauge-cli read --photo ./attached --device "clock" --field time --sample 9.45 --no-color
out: 5.37
